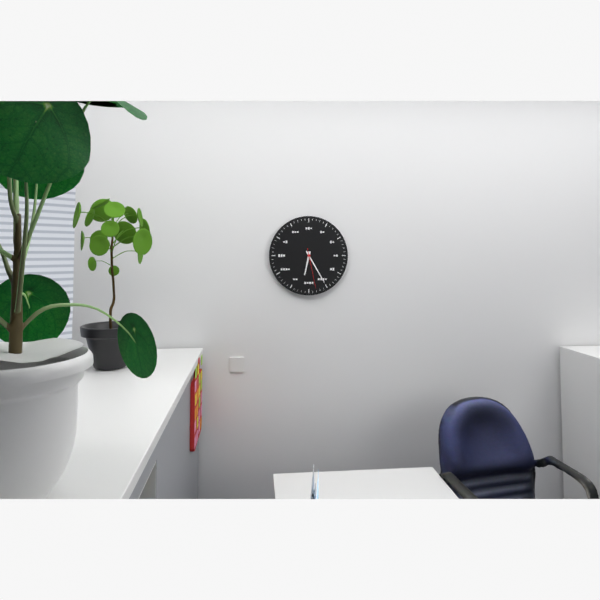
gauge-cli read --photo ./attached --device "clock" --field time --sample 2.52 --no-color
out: 6.25
